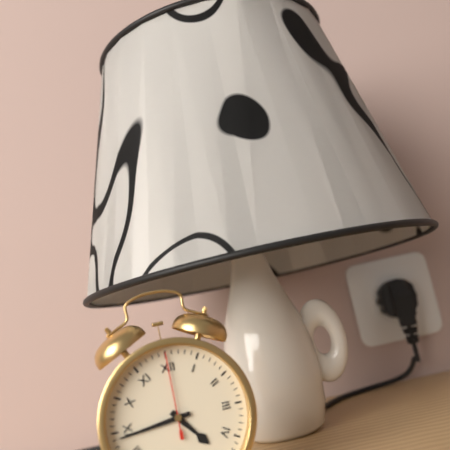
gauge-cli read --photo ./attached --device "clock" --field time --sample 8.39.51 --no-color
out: 4.44.00
